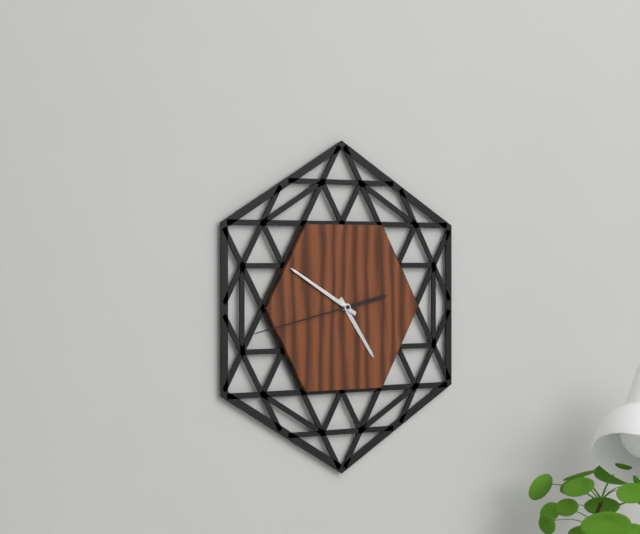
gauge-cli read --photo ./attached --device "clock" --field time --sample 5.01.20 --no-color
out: 4.50.43
